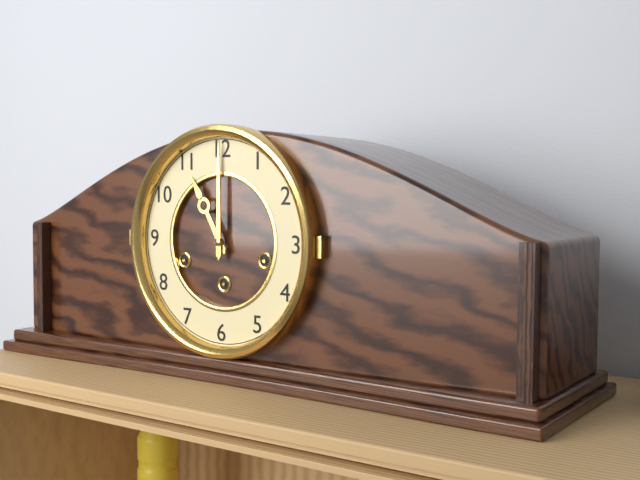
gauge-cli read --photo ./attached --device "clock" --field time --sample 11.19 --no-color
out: 11.00
